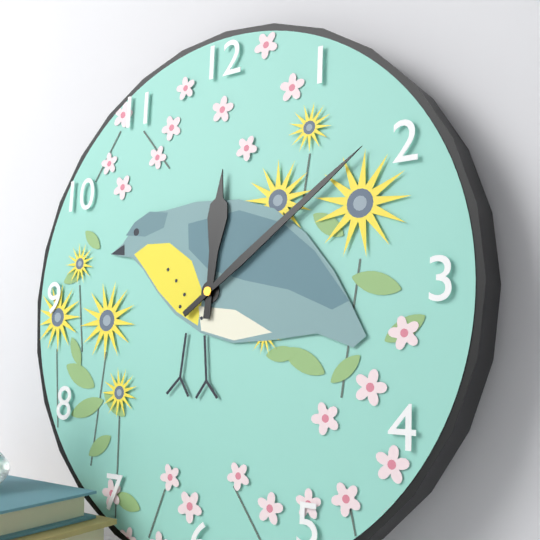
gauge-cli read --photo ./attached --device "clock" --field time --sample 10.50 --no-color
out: 12.09
